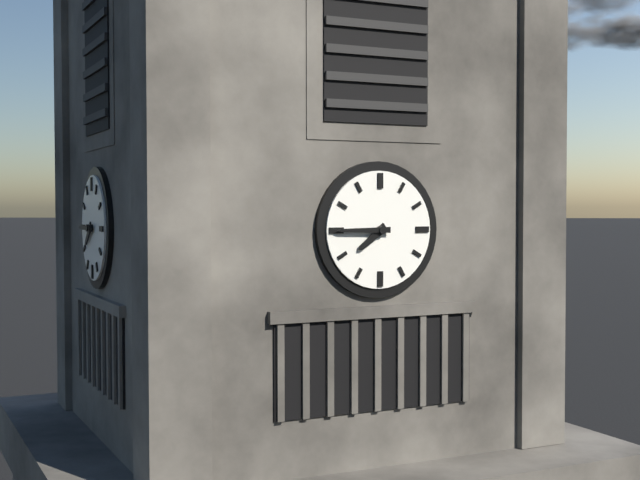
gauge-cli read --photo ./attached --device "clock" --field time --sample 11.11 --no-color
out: 7.45
